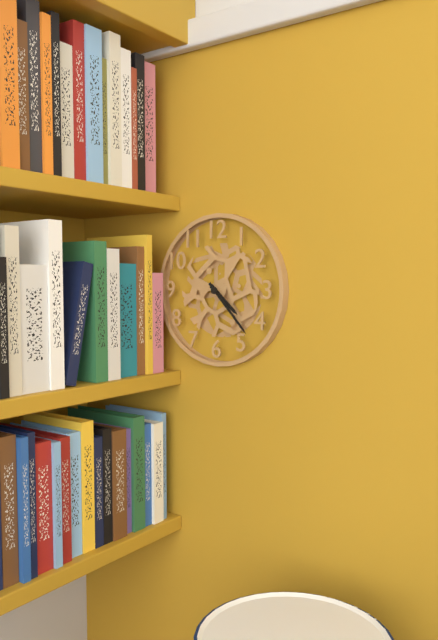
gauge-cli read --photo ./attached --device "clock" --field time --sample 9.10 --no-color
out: 4.23
